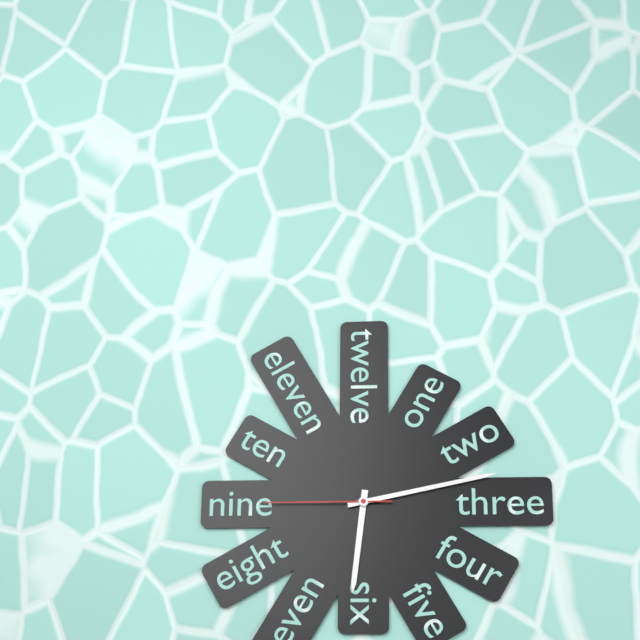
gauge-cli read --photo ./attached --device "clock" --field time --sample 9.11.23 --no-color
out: 6.13.45
